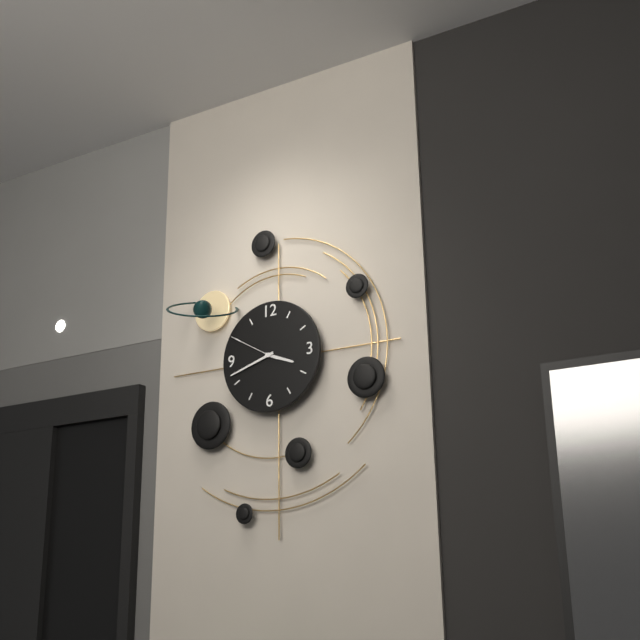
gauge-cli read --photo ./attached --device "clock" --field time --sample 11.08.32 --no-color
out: 3.42.50
